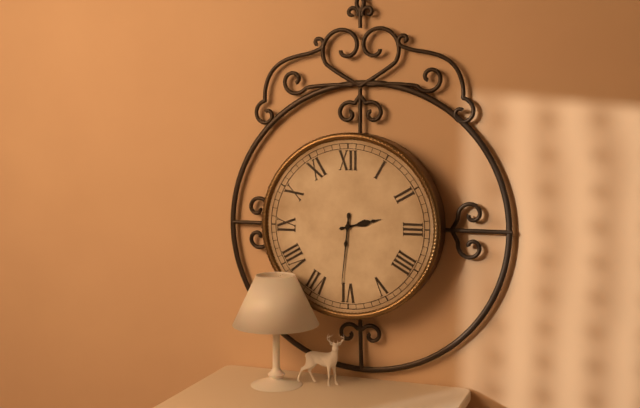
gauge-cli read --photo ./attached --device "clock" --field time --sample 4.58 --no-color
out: 2.31
